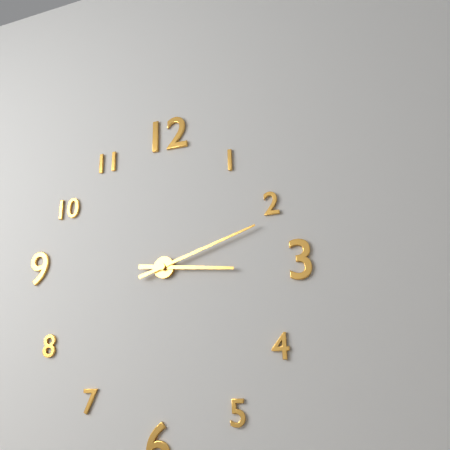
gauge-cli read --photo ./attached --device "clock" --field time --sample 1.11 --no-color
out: 3.12
